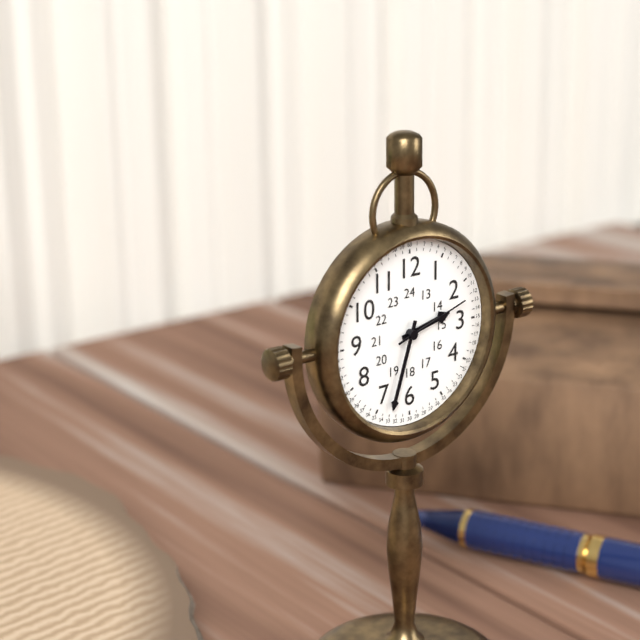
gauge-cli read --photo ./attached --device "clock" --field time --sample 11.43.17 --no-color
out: 2.33.12
